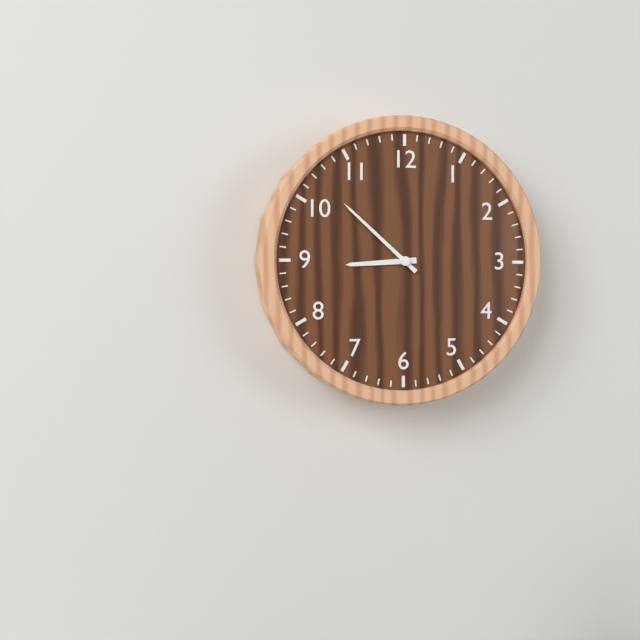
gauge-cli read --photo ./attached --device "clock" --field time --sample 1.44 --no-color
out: 8.52
